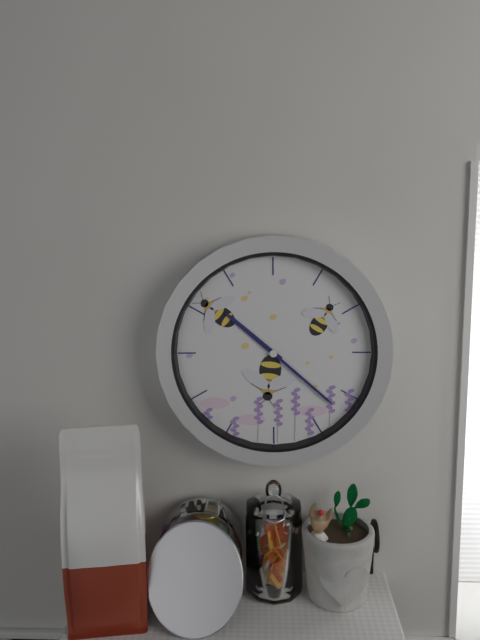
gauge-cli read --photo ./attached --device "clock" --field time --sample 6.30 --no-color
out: 10.22
